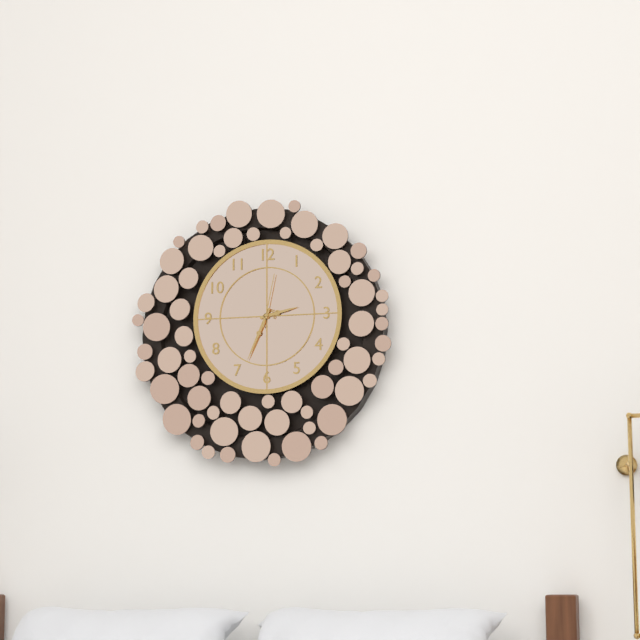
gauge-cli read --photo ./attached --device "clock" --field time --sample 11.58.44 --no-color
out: 2.34.02
